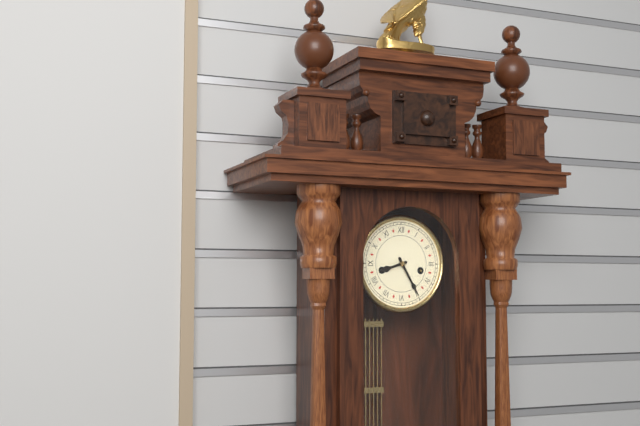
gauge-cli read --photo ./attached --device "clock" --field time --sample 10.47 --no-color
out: 8.25
